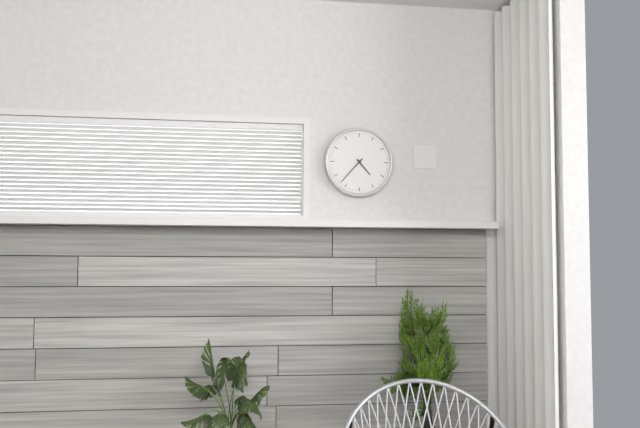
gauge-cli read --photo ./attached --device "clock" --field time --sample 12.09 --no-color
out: 4.37
